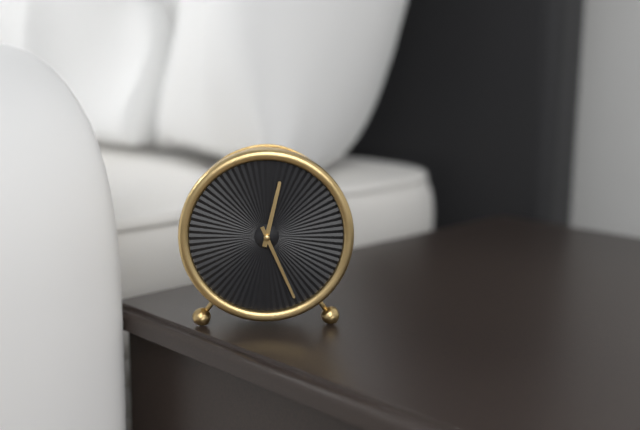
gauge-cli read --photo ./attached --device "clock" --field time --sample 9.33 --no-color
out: 12.26
